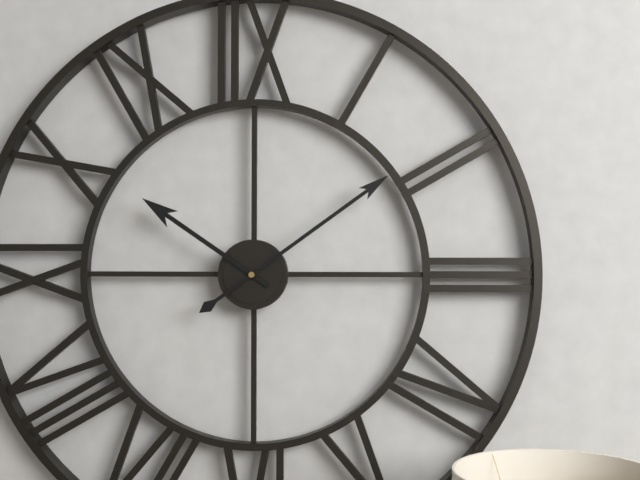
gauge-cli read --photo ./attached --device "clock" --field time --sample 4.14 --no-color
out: 10.09
